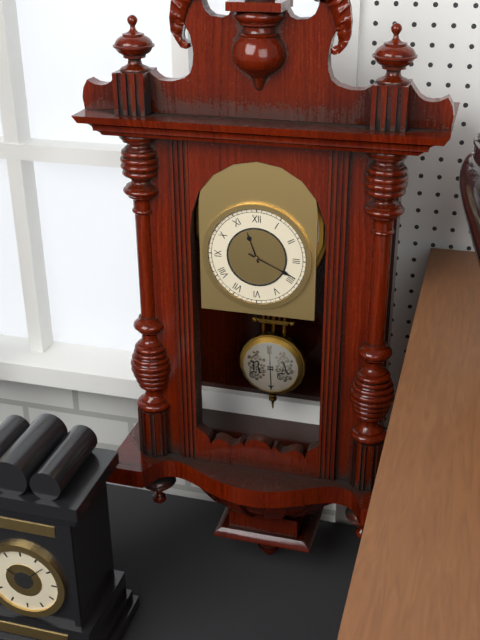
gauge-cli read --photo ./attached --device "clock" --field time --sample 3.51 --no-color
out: 11.19
